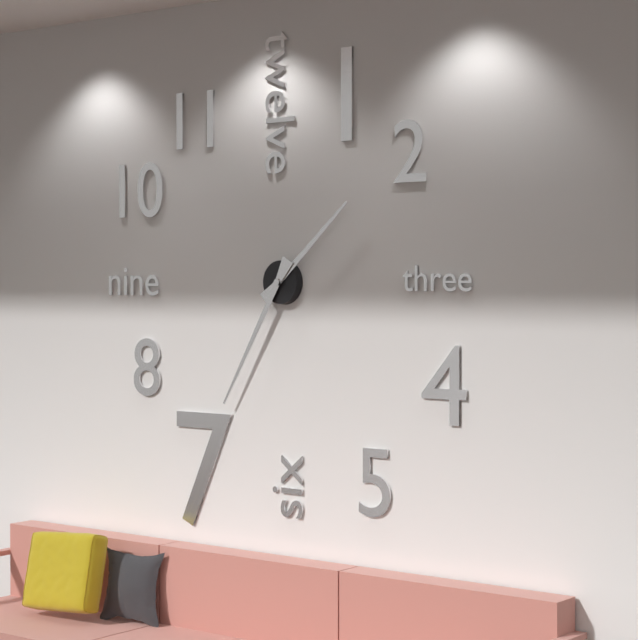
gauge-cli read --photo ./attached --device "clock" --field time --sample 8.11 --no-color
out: 1.35
